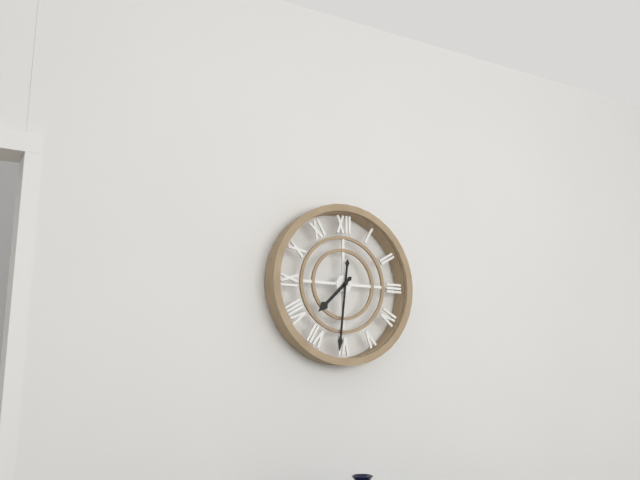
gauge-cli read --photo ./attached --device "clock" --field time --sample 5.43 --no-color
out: 7.31
